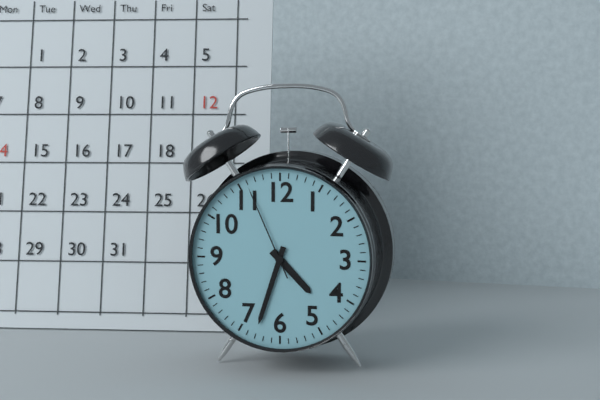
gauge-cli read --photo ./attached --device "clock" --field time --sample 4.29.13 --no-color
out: 4.33.56
